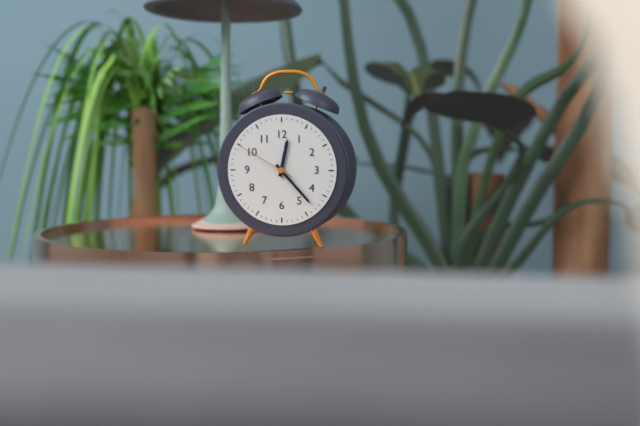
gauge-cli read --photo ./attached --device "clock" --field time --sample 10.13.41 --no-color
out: 12.23.50
